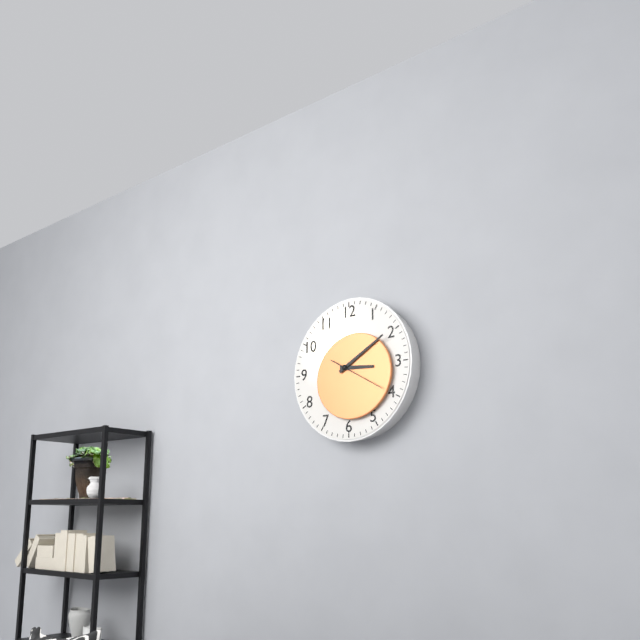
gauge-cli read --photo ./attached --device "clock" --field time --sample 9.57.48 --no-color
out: 3.10.20
